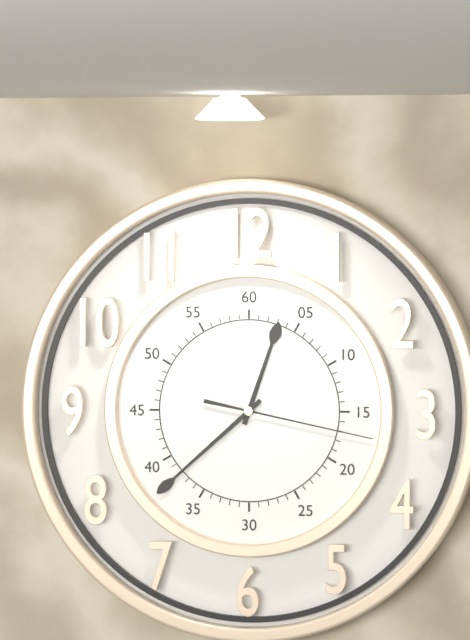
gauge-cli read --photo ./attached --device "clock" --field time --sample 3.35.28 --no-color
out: 12.38.17
